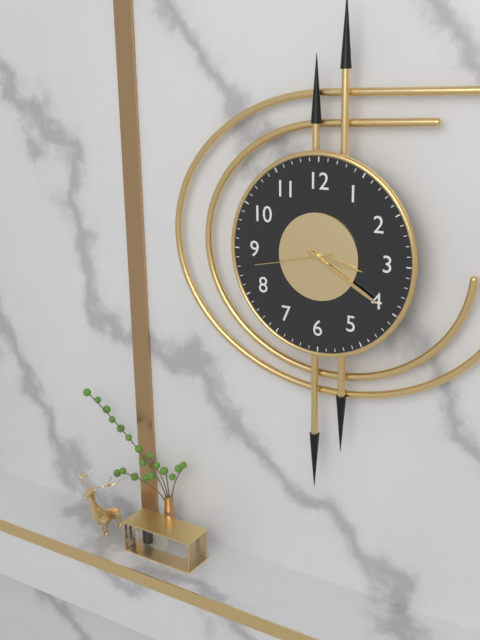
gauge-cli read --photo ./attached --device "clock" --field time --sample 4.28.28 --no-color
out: 3.20.43
